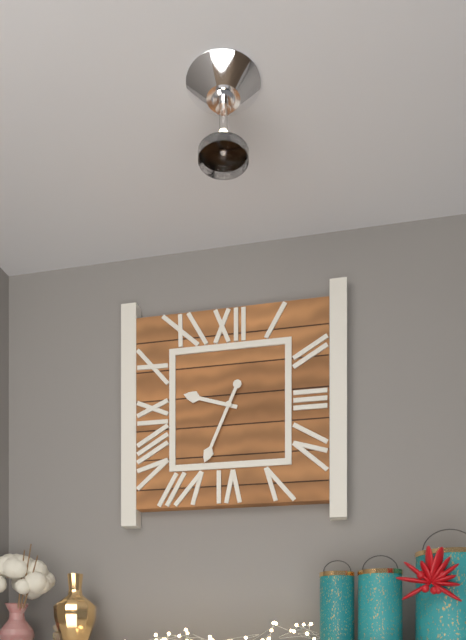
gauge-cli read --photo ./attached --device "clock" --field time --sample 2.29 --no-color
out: 9.34
